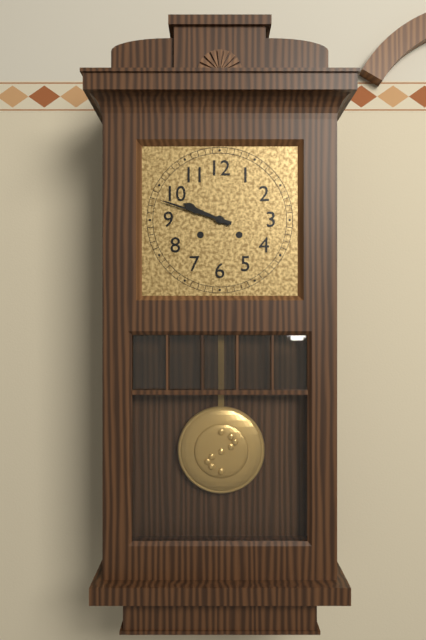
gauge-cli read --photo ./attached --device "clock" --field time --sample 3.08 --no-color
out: 9.48
